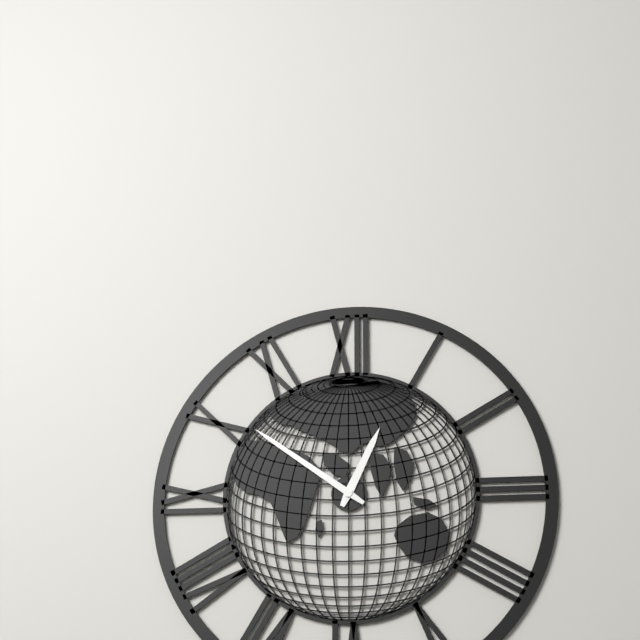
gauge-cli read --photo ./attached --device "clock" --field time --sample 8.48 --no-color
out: 12.51
